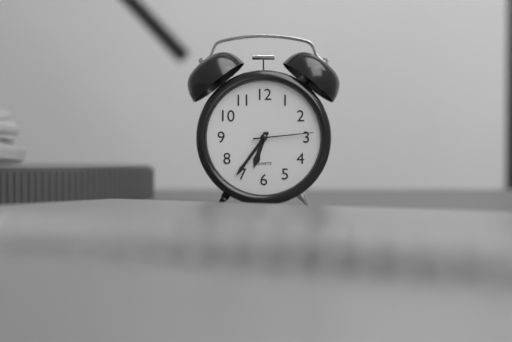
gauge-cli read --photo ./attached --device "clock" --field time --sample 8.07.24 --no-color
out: 6.36.14
